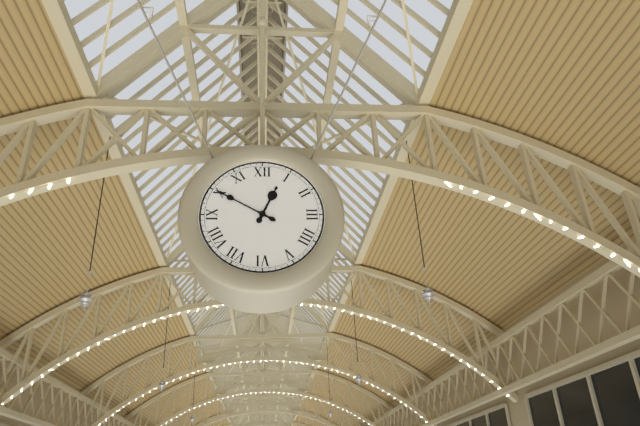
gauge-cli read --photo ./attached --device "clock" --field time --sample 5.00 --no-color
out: 12.50
